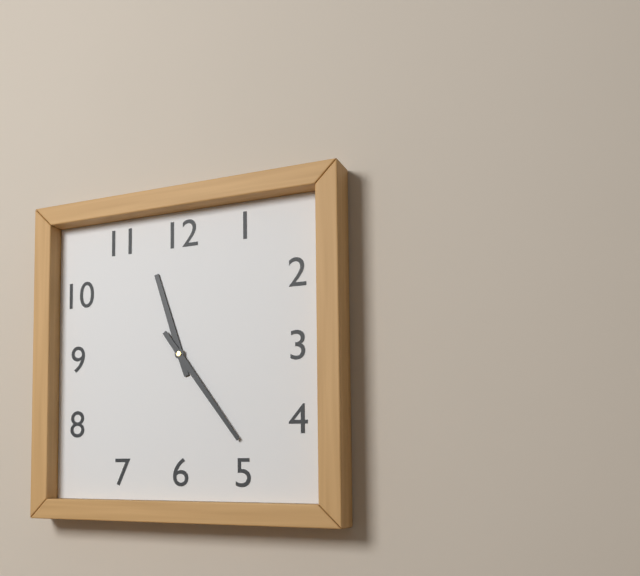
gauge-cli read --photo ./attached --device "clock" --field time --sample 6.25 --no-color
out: 11.24
